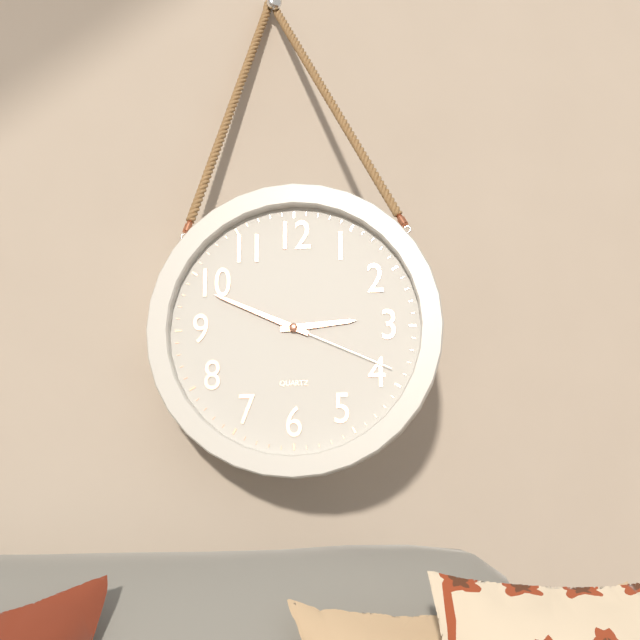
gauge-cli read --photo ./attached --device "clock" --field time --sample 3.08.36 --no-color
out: 2.49.19
